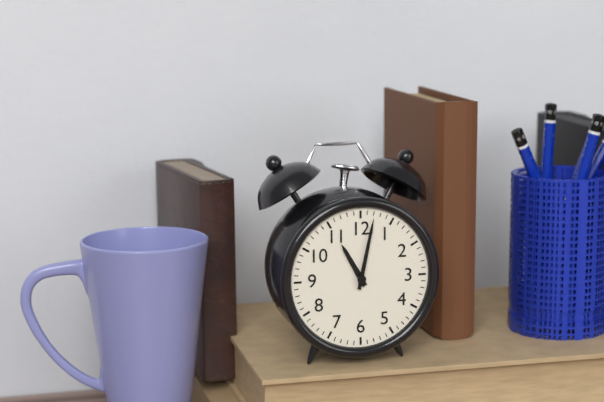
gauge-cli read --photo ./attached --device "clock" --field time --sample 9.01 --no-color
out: 11.02
